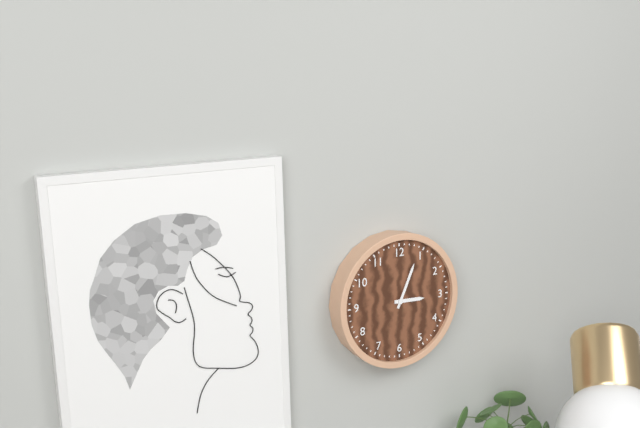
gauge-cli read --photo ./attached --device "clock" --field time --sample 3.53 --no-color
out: 3.04
